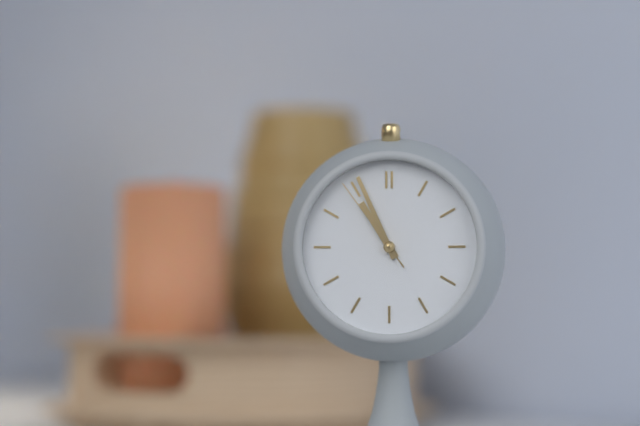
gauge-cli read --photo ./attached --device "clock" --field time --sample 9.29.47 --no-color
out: 10.56.54
